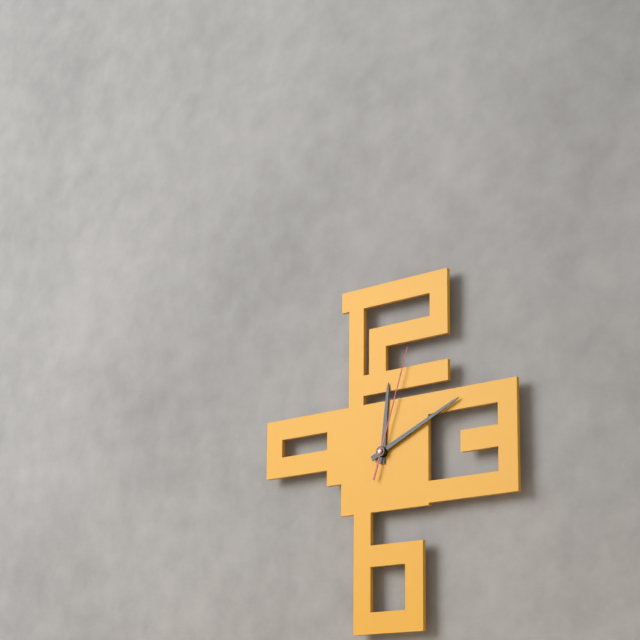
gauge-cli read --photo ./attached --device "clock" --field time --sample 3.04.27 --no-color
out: 12.11.03
